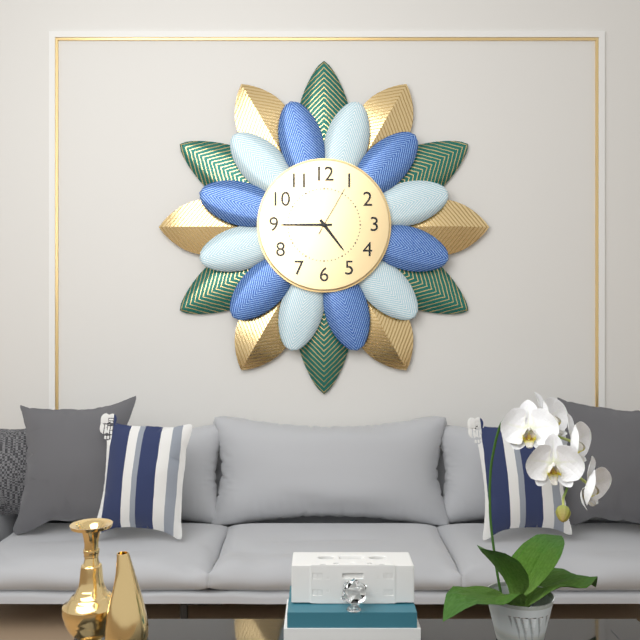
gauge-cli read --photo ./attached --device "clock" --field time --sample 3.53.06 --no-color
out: 4.45.05
